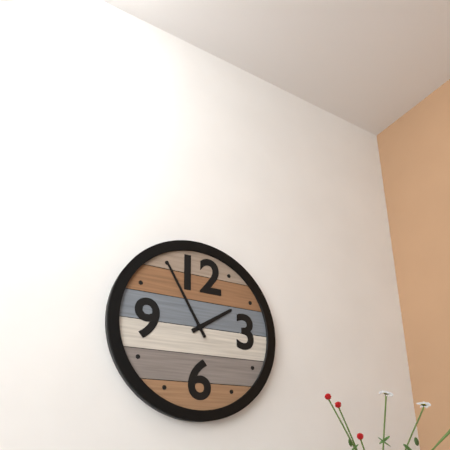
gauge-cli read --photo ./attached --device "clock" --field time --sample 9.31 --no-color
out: 1.55
